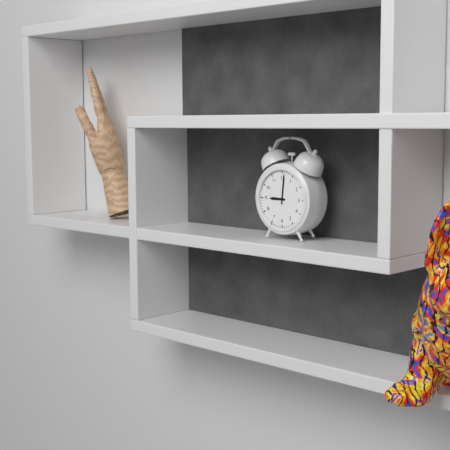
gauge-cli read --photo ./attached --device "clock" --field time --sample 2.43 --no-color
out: 9.01
